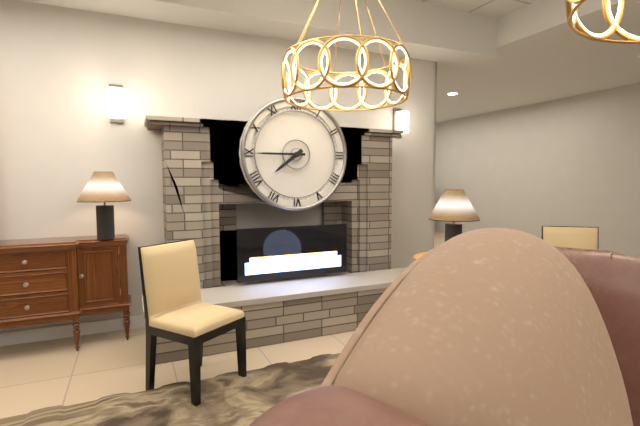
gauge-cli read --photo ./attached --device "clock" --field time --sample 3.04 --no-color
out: 7.45
